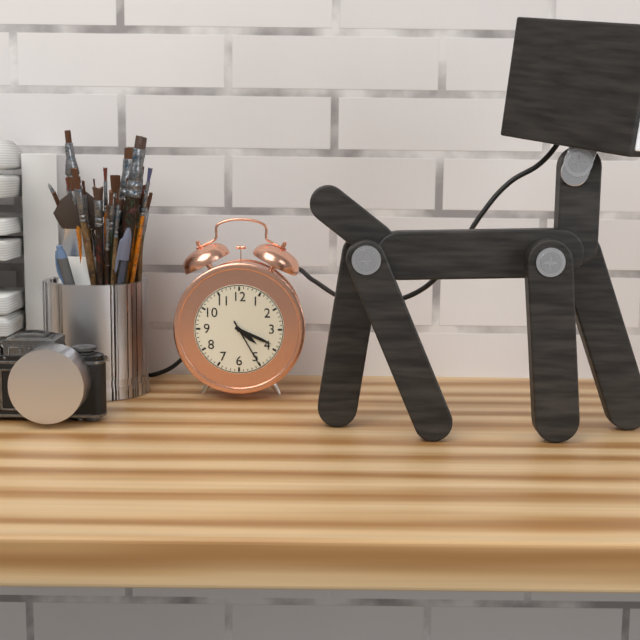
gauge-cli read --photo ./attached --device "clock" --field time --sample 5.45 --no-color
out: 4.19
